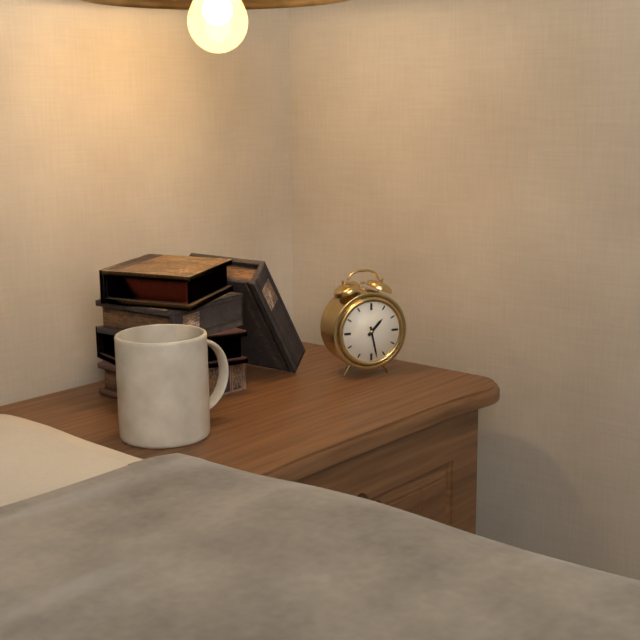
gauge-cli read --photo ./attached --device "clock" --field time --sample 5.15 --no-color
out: 1.28
